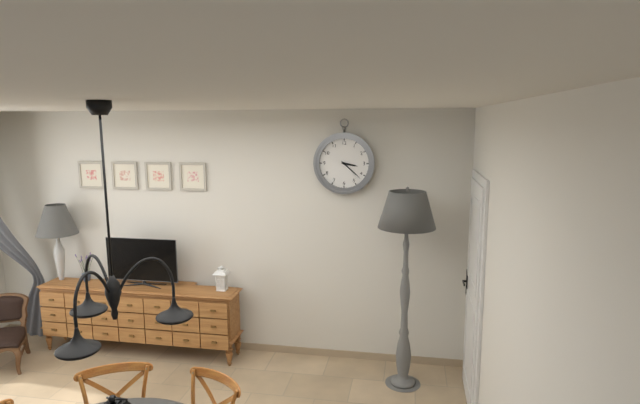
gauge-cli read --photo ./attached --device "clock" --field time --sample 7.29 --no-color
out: 3.22
